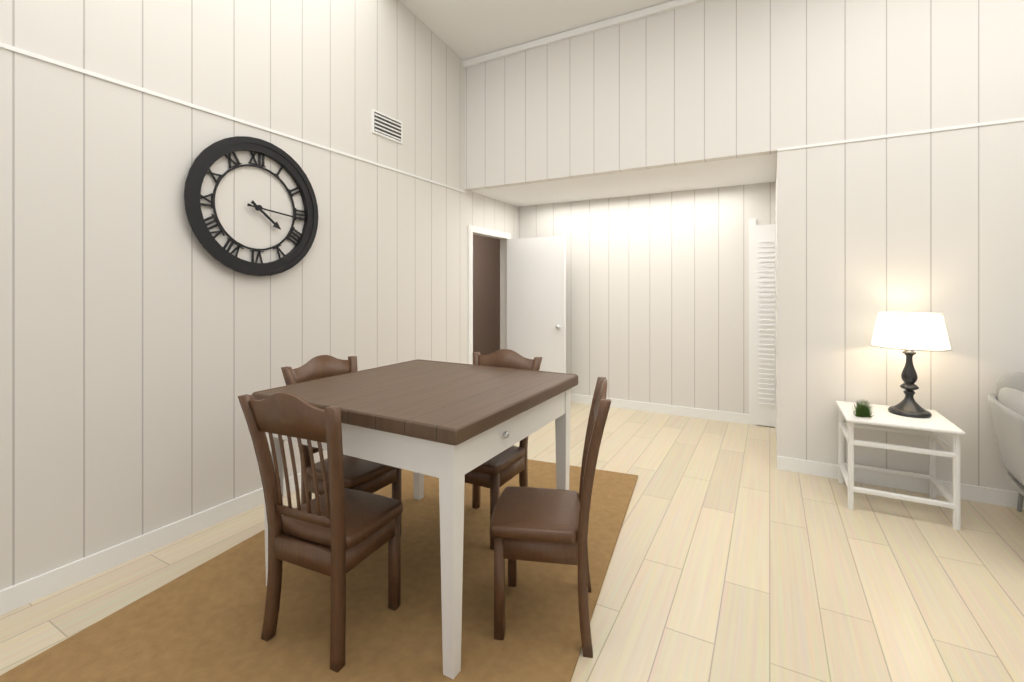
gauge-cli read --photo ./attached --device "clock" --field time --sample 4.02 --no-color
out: 4.16
